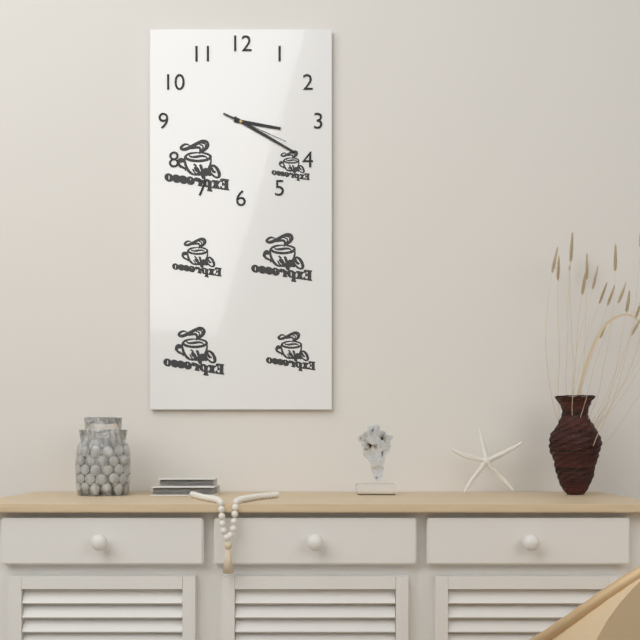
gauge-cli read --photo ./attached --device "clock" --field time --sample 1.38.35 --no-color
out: 3.20.19
